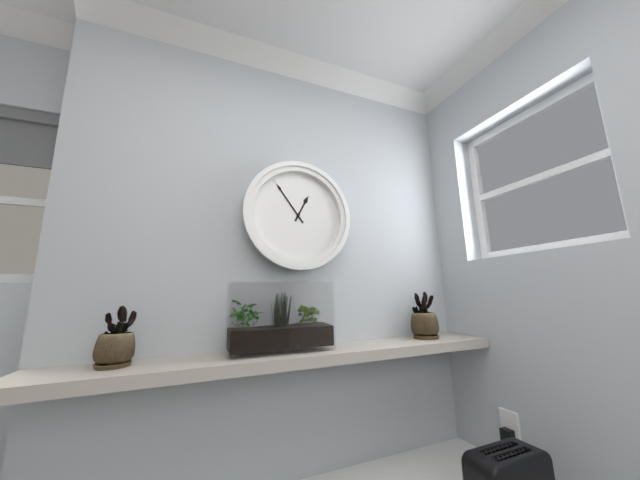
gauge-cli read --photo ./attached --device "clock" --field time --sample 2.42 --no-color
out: 12.54
